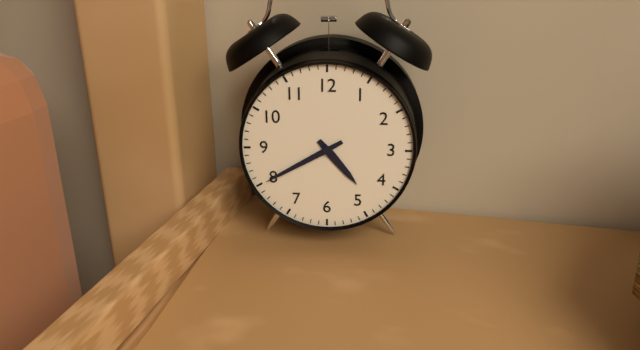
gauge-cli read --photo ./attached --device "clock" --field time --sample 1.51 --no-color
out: 4.40
